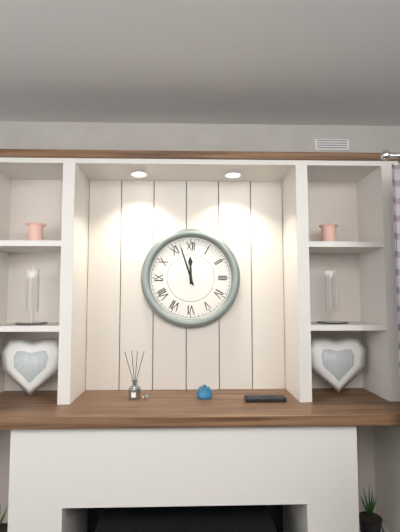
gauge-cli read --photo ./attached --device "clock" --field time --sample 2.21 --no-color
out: 11.57
